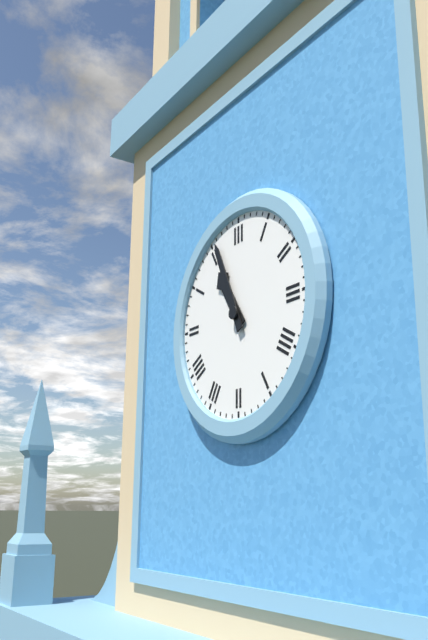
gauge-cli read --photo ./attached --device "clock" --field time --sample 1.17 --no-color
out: 10.56
